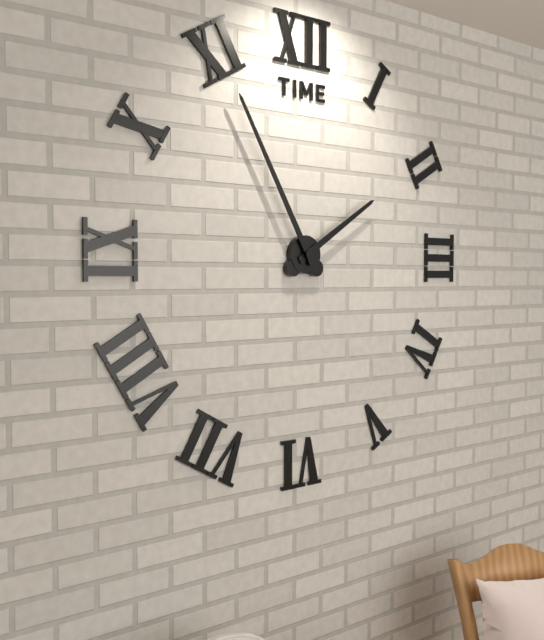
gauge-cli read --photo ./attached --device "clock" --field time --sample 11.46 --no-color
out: 1.55
